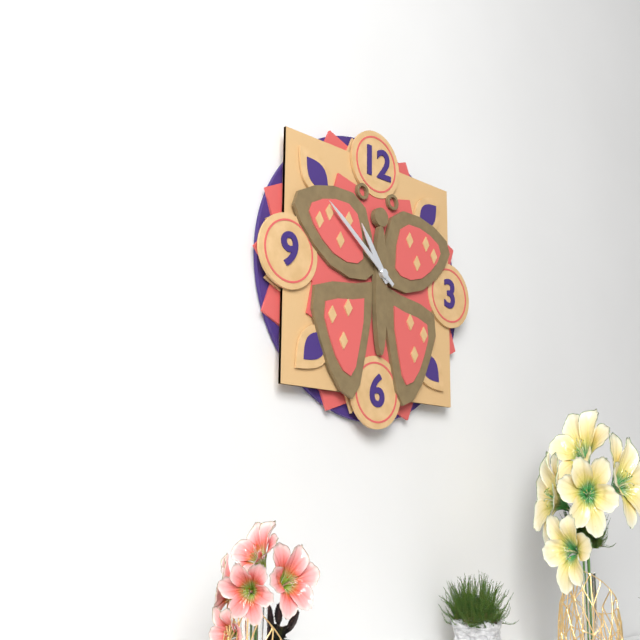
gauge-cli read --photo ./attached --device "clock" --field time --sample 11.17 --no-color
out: 10.51
